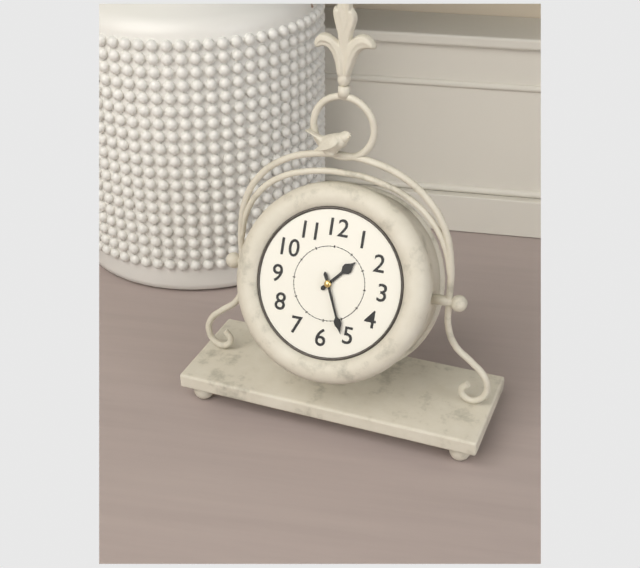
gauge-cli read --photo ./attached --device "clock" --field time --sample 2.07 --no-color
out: 1.26
